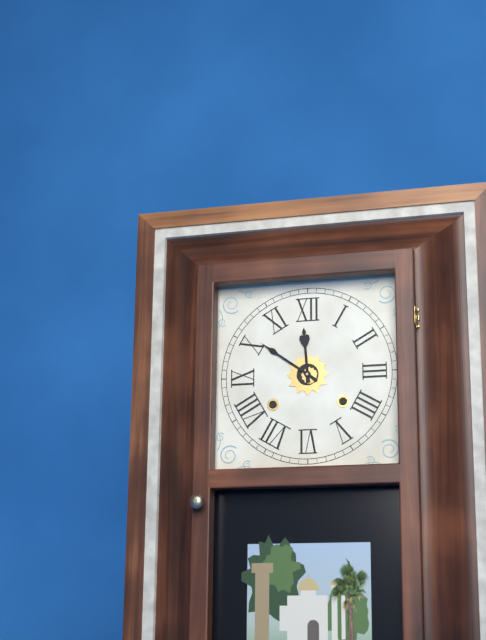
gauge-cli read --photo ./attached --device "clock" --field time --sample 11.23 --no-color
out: 11.51
